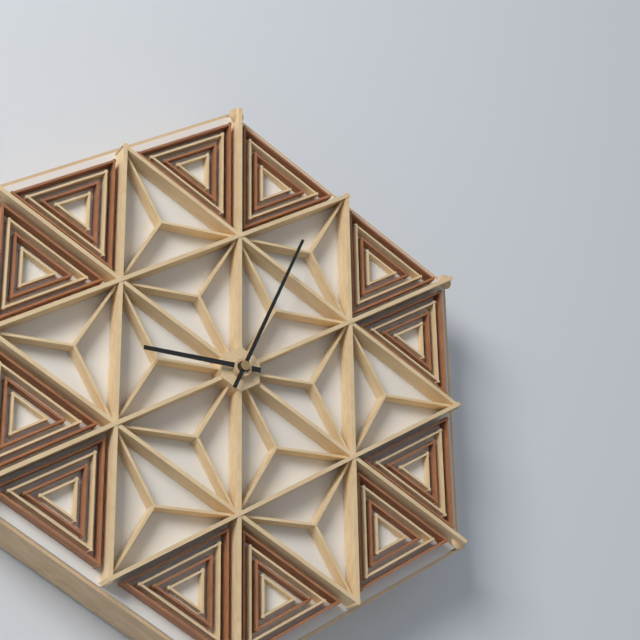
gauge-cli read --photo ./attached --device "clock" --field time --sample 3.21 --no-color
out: 9.04
